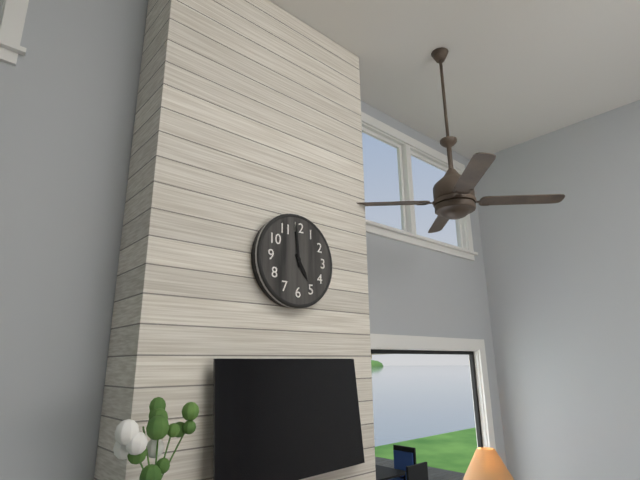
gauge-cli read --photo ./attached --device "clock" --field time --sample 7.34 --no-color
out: 4.59
